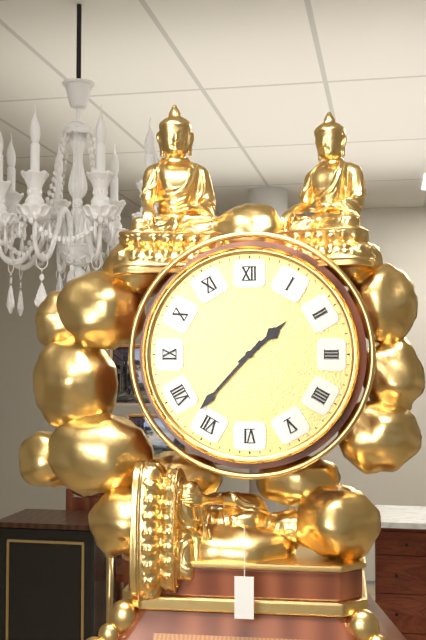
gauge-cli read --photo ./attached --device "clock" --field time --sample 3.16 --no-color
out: 1.37
